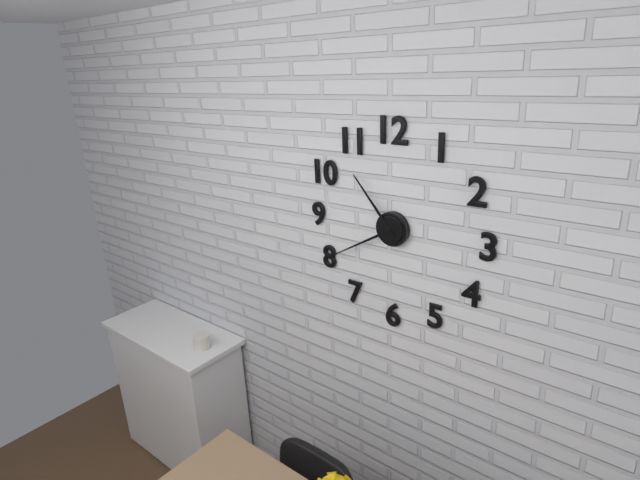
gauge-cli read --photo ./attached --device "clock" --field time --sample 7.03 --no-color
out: 10.40
